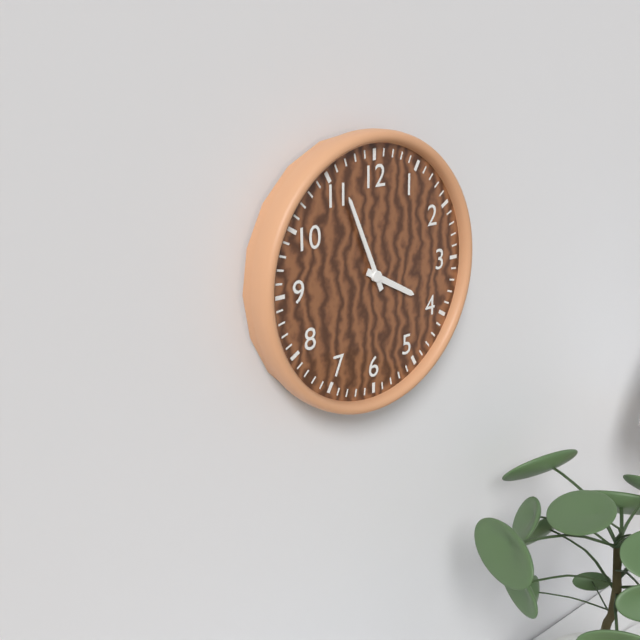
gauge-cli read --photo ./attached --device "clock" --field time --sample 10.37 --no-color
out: 3.56
